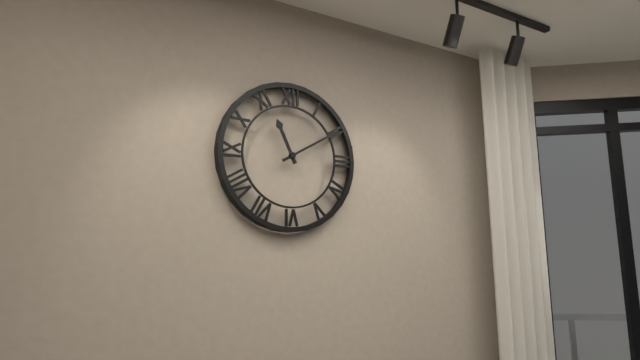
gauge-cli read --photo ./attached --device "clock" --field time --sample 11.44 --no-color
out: 11.10
